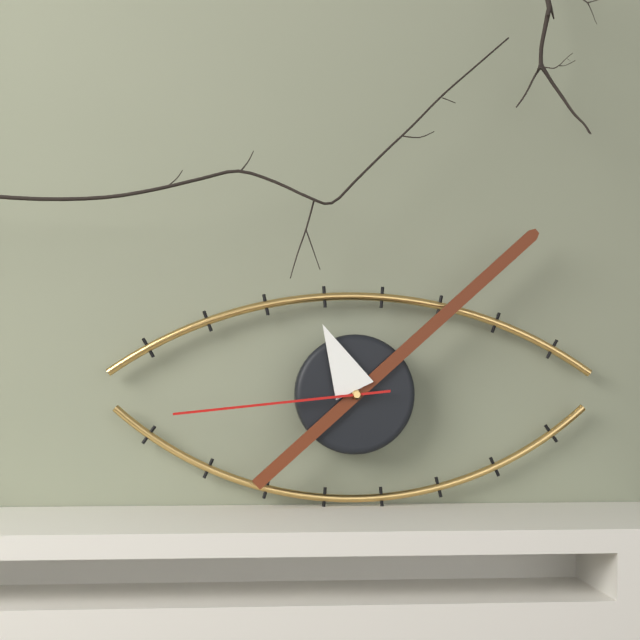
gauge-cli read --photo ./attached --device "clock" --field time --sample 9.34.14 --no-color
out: 11.08.44
